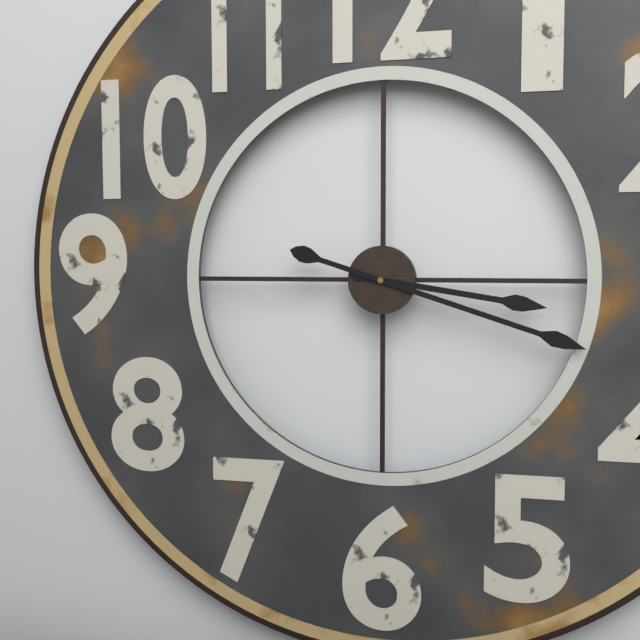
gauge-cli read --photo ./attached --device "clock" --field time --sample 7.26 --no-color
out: 3.18
